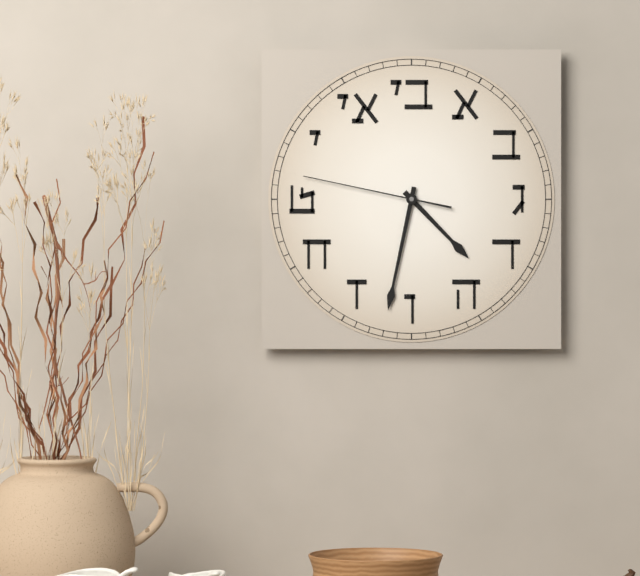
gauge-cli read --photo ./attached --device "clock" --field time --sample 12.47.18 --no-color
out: 4.32.47
